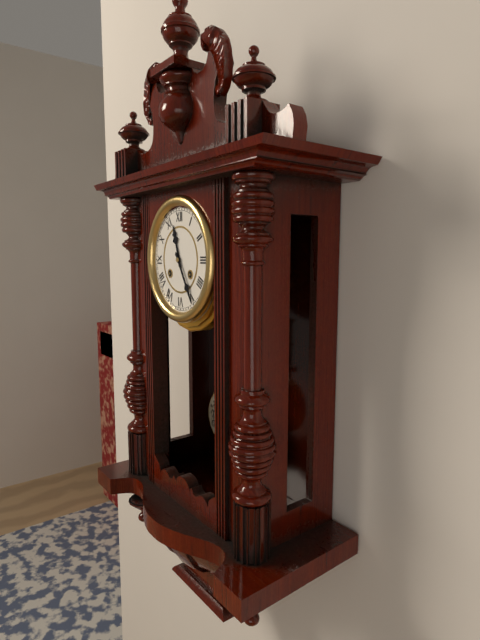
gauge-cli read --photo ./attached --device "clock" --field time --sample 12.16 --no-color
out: 11.25
